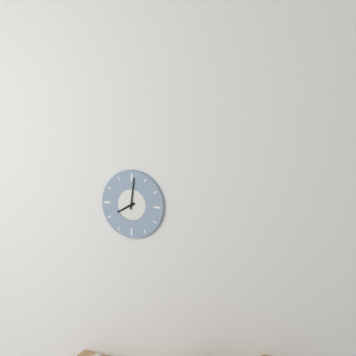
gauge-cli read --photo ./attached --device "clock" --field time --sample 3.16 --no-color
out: 8.01
